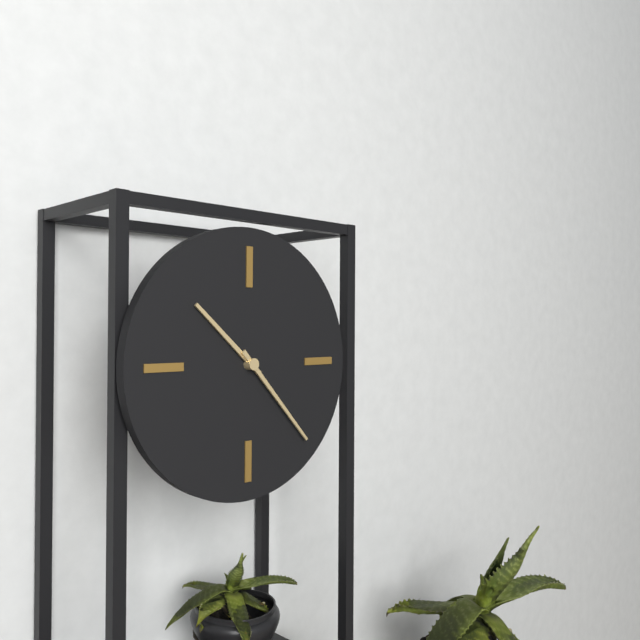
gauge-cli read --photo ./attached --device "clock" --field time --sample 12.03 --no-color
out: 10.23
